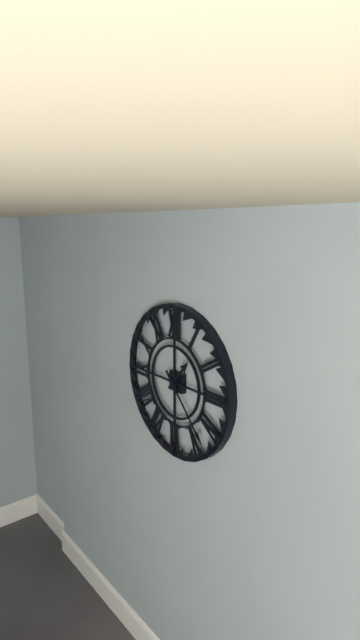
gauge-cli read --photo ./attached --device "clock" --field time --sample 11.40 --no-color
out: 1.23
